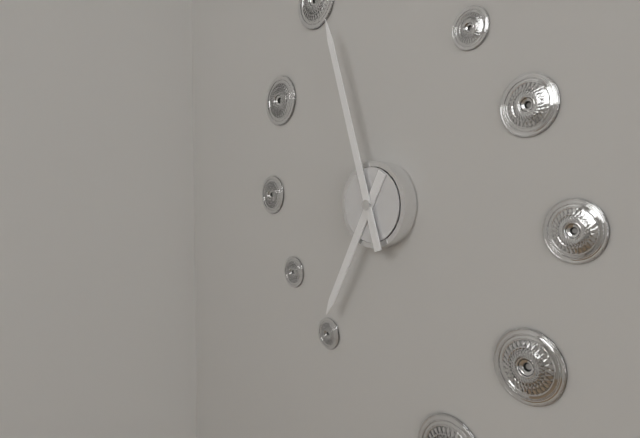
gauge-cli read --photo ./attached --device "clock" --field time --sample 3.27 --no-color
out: 6.57
